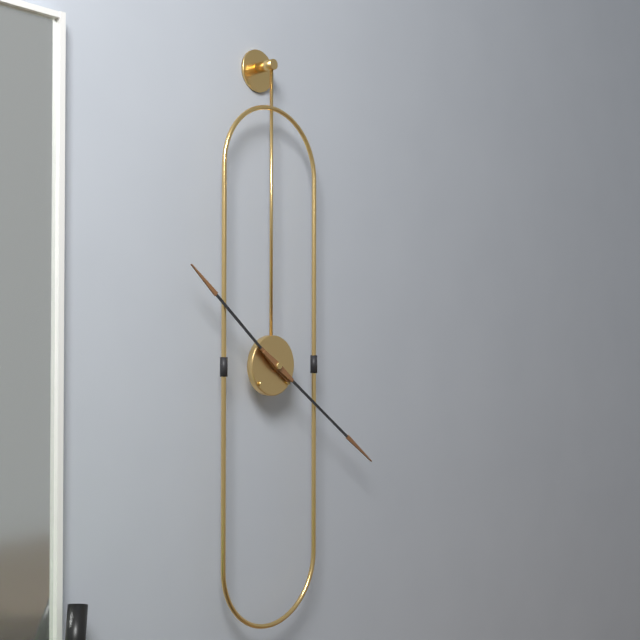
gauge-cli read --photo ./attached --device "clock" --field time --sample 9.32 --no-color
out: 10.21
